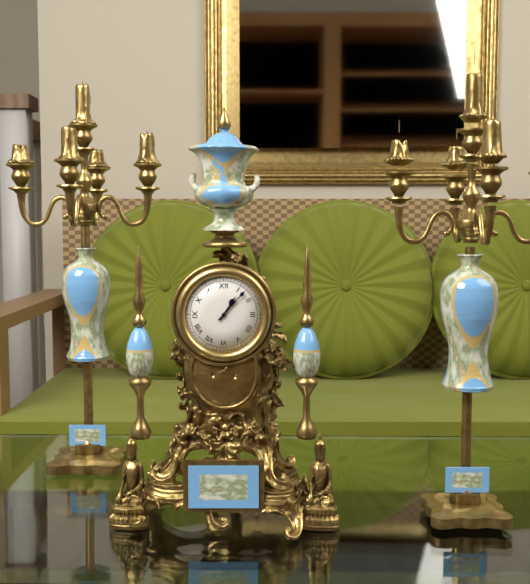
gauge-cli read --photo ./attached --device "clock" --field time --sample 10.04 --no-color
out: 1.07
